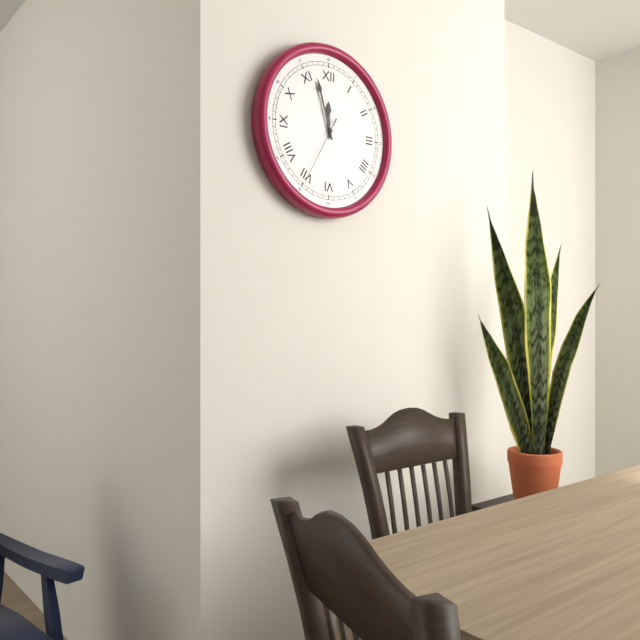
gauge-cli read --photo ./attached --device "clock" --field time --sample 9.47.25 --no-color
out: 11.57.35
